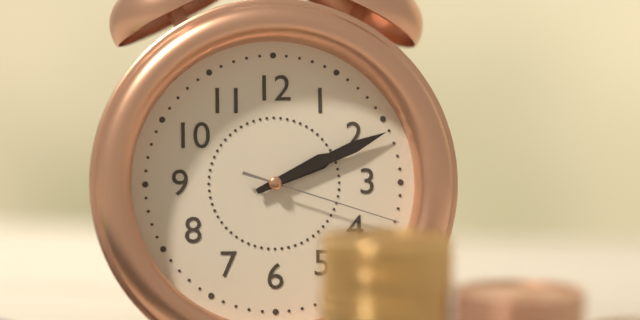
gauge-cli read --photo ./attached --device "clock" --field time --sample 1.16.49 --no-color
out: 2.11.18
